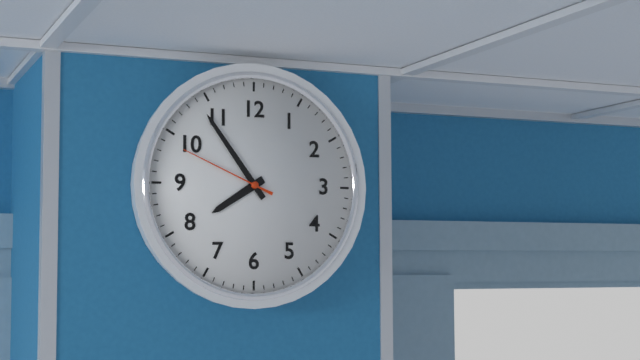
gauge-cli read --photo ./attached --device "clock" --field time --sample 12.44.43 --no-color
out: 7.54.49
